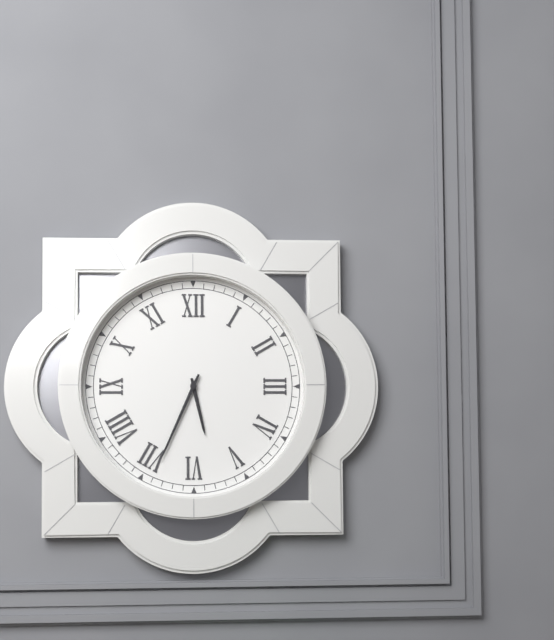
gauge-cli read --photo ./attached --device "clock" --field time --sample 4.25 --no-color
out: 5.34
